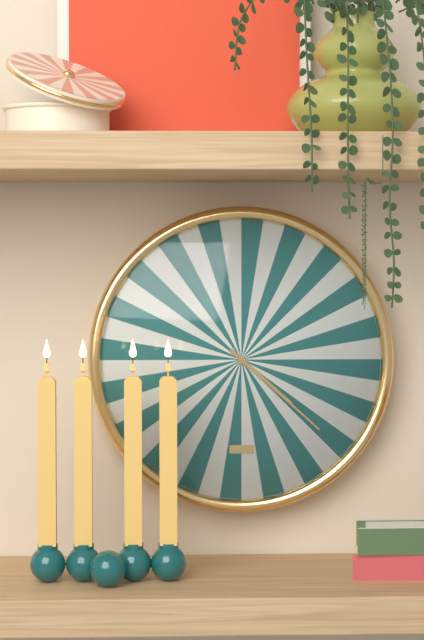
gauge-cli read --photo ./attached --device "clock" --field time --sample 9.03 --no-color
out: 4.22
